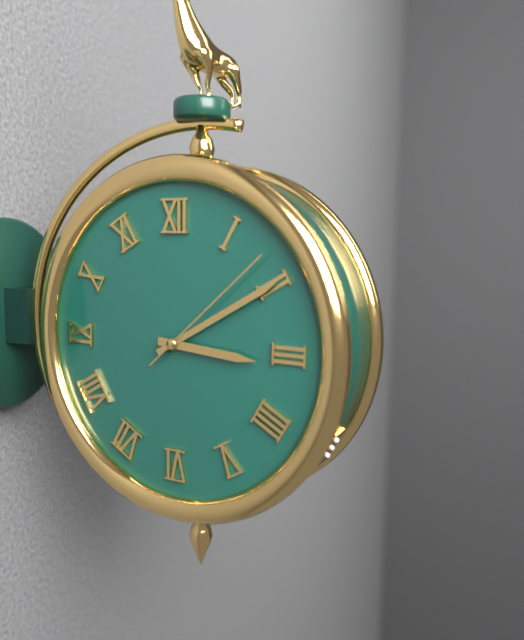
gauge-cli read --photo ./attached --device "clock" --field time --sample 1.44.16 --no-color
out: 3.10.08
